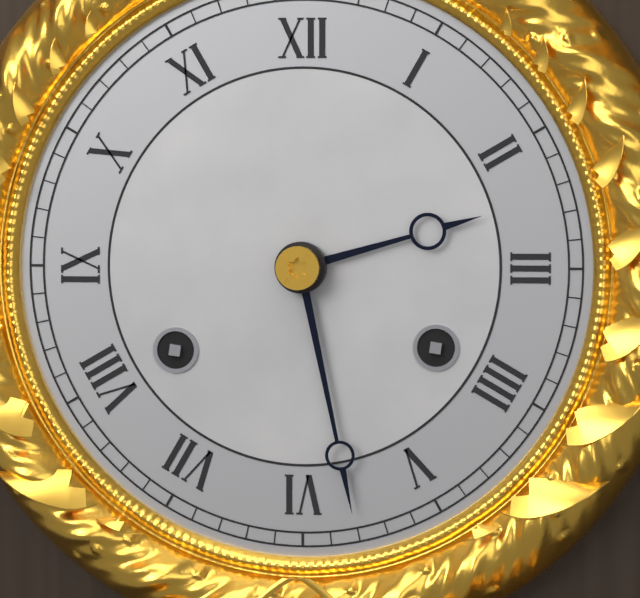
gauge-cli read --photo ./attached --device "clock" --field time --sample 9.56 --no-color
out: 2.28
